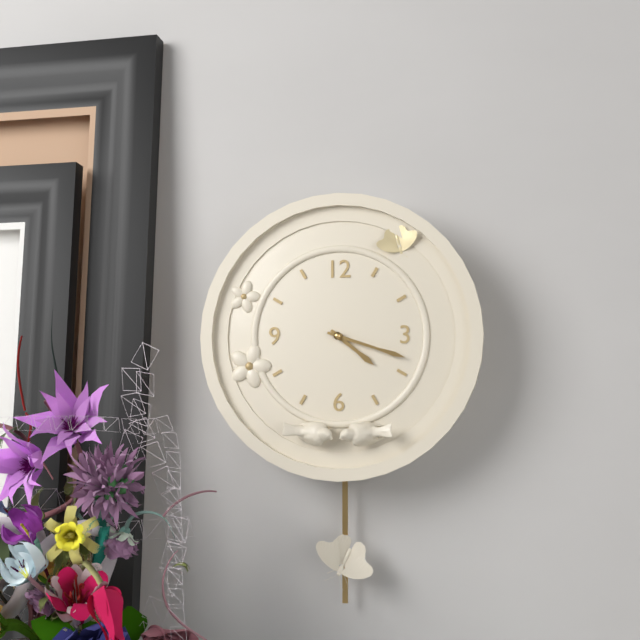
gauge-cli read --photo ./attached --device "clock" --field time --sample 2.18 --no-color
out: 4.18
